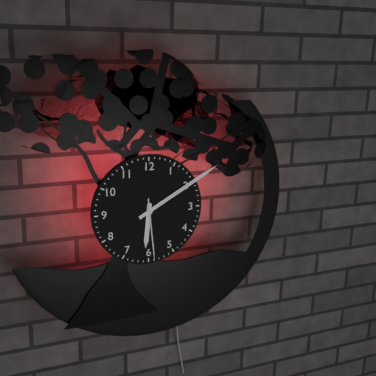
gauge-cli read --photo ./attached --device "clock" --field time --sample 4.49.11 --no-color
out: 6.10.29
